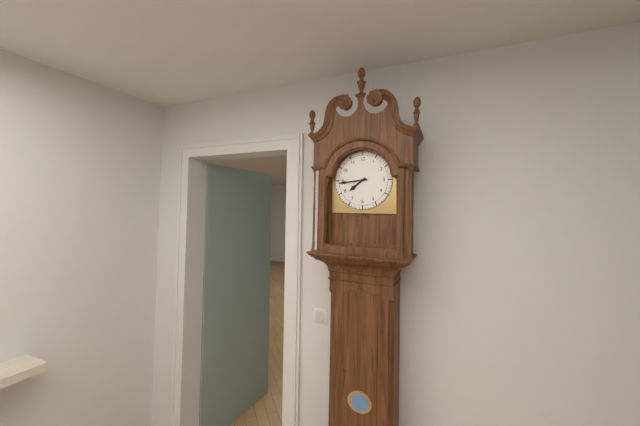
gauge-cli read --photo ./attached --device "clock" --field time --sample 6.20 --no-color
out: 7.44
